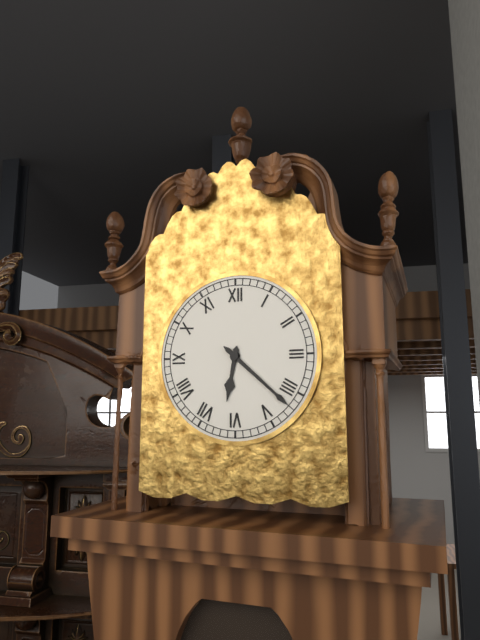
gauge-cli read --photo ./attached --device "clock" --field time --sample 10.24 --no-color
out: 6.22
